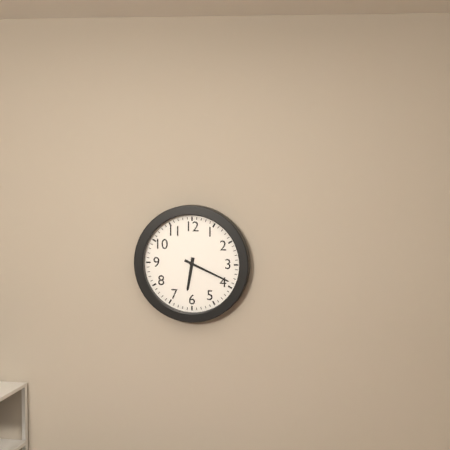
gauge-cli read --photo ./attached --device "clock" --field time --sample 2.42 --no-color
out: 6.19
